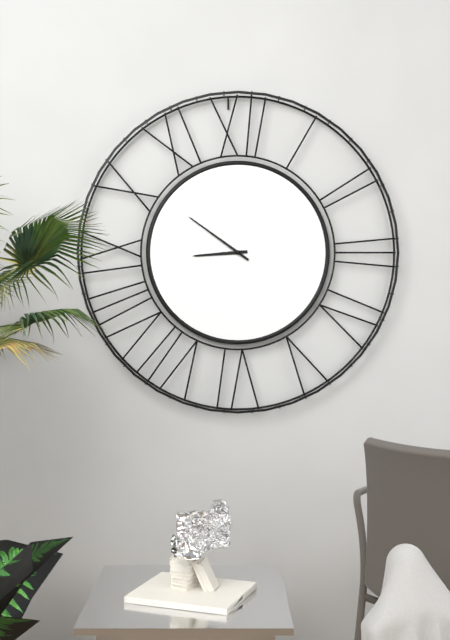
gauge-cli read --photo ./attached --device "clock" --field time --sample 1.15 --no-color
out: 8.51
